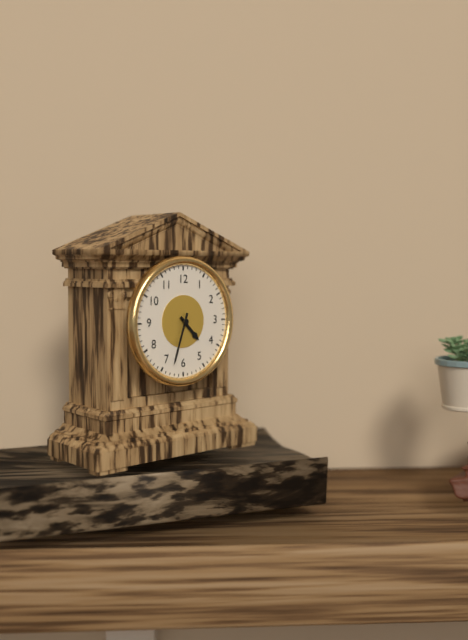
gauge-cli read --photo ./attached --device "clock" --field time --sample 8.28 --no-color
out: 4.33
